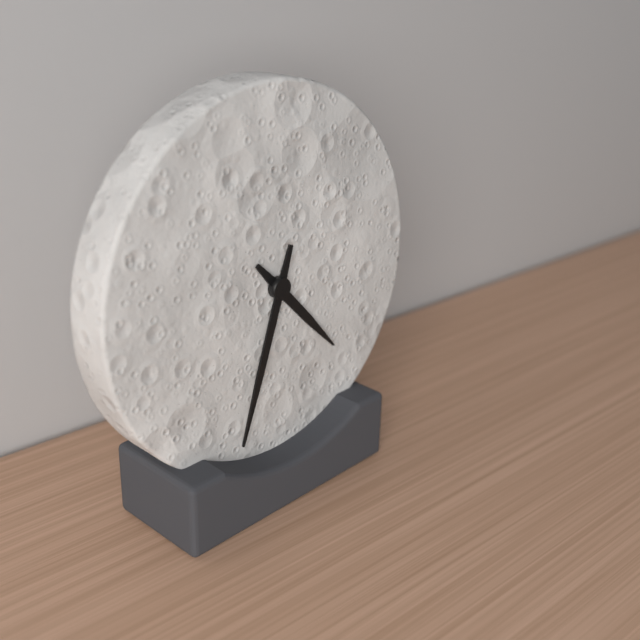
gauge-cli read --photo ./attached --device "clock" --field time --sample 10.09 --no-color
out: 4.33
